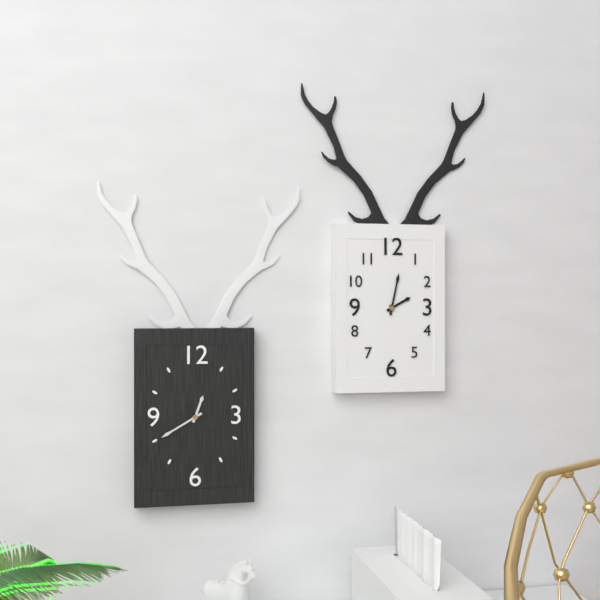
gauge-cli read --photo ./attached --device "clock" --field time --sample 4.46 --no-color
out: 12.40
